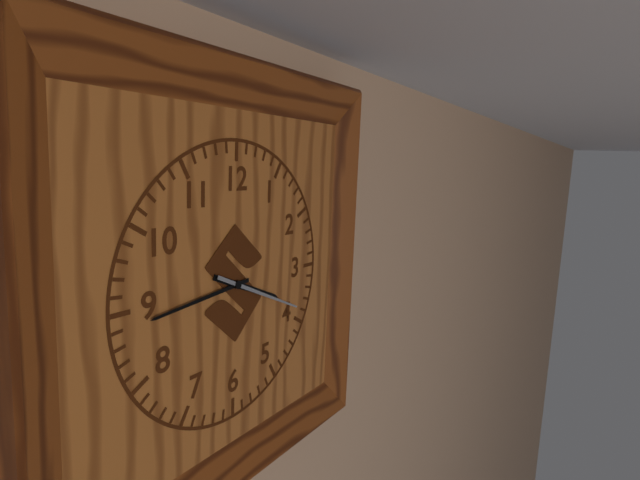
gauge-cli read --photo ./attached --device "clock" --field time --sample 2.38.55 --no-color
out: 3.44.19
